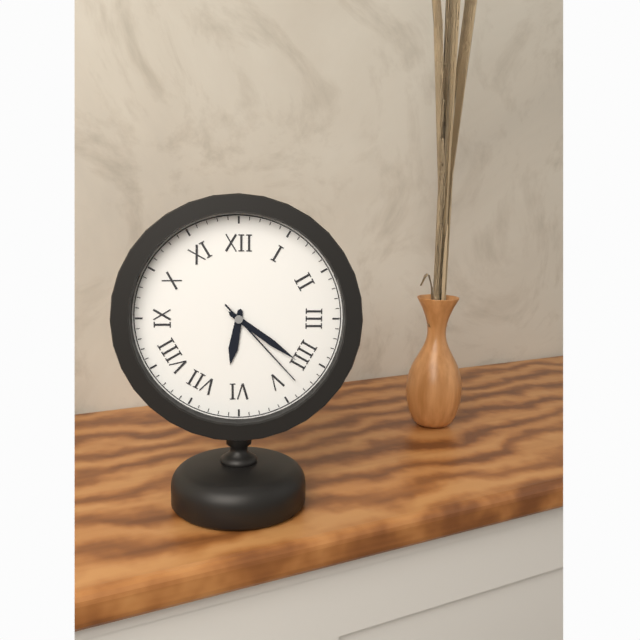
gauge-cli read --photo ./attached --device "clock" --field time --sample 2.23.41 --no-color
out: 6.21.23
